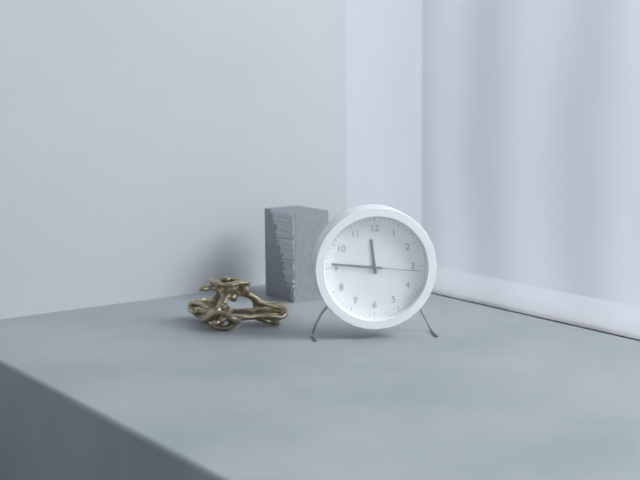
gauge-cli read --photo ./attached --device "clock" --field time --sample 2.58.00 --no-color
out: 11.46.16
